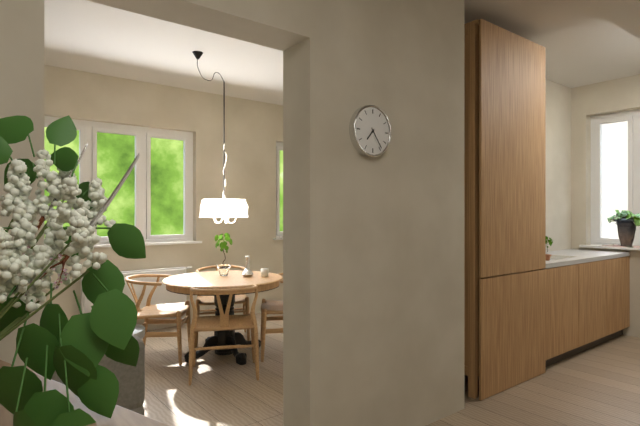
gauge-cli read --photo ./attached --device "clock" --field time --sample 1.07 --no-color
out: 7.24
